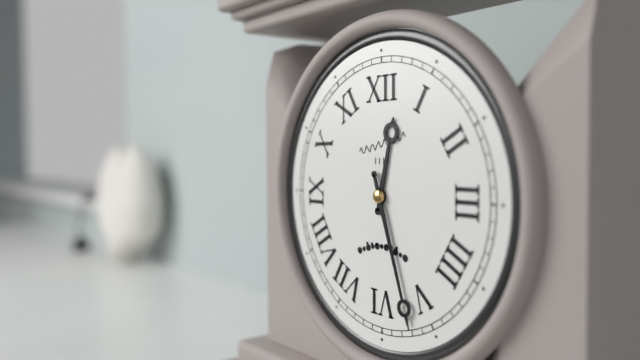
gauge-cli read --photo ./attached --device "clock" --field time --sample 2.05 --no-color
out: 12.27
